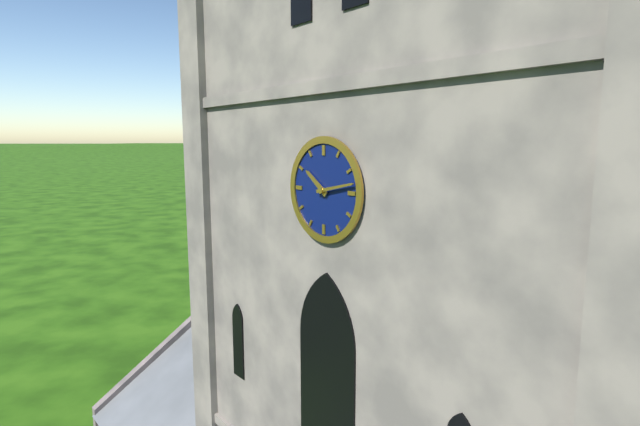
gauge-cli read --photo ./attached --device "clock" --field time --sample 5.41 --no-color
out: 10.13
